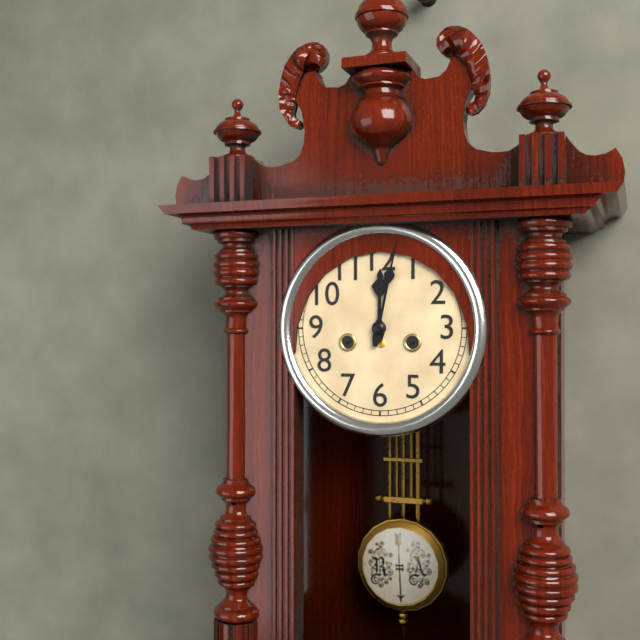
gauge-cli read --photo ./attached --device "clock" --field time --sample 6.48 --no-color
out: 12.02
